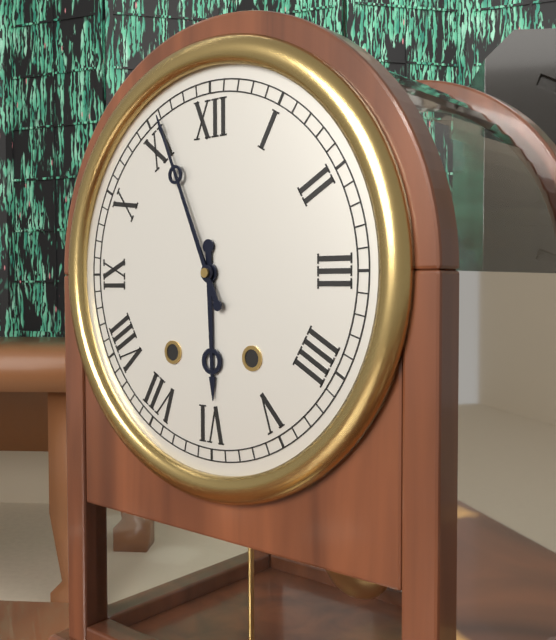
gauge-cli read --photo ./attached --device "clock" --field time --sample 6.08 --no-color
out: 5.56
